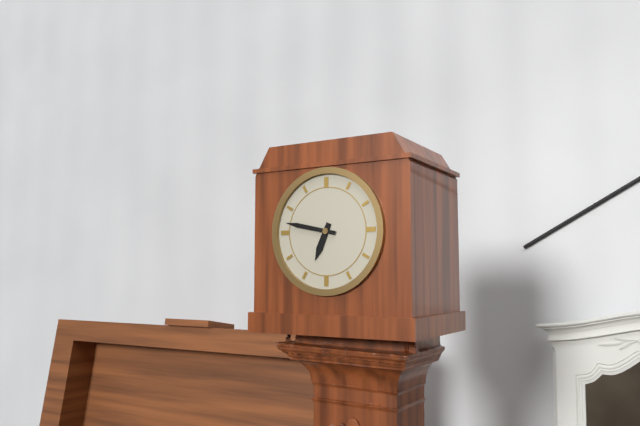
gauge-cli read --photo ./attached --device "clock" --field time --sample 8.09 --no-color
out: 6.47
